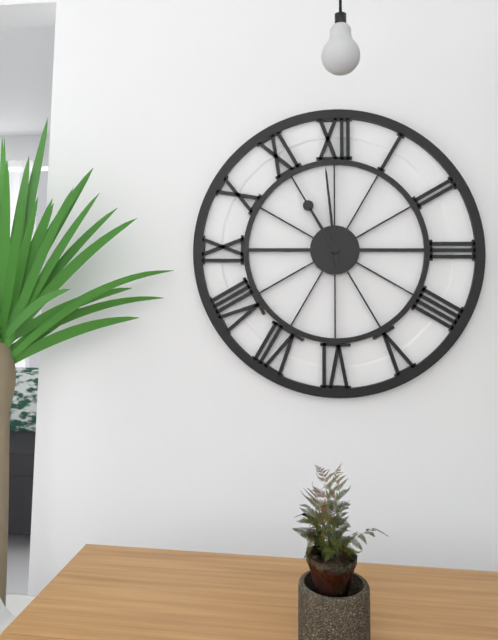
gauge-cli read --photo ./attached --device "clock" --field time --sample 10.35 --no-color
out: 10.59
